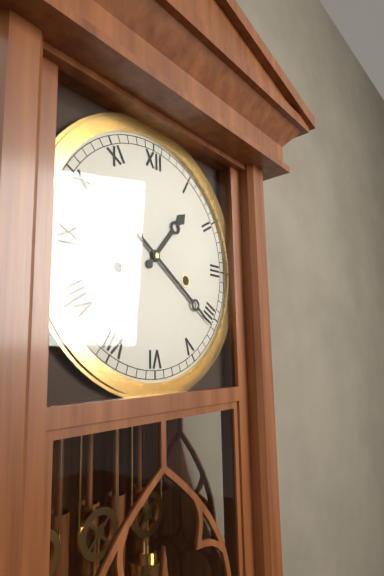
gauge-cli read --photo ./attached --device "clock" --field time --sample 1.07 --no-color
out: 1.21
